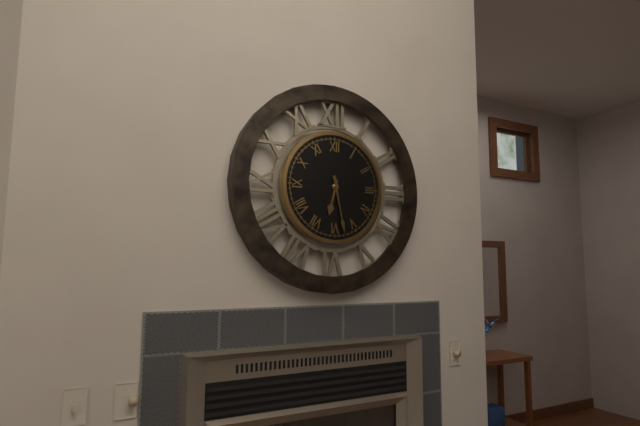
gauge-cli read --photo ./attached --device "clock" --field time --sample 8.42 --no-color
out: 6.28
